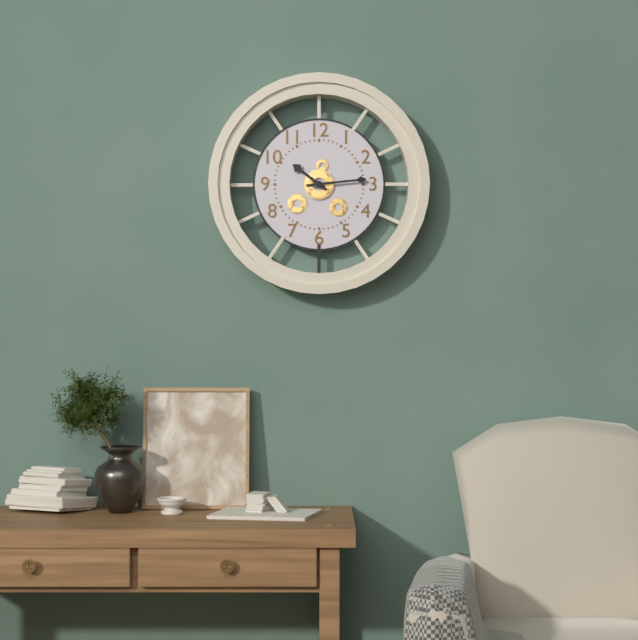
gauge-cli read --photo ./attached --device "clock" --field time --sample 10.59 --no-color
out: 10.14
